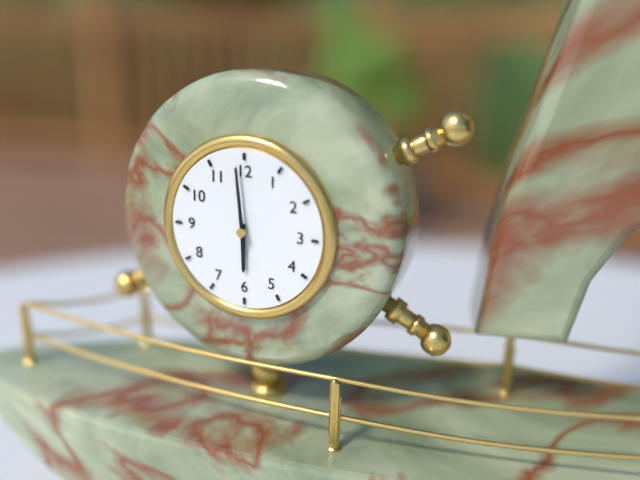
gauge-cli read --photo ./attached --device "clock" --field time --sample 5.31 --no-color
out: 5.59
